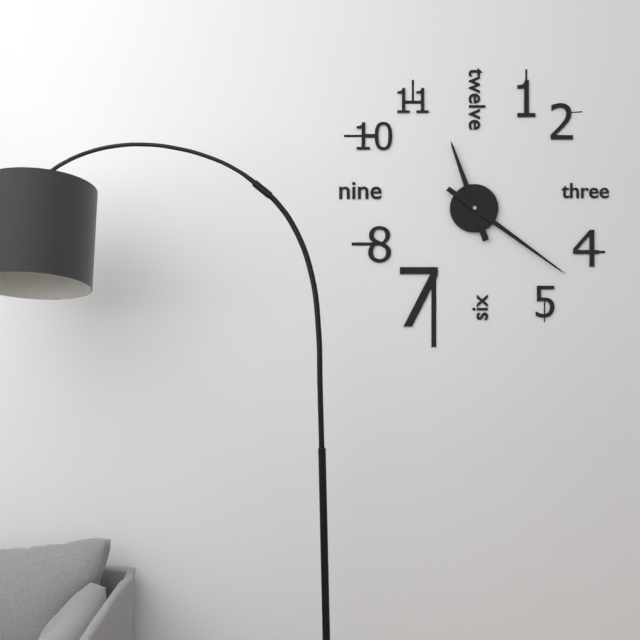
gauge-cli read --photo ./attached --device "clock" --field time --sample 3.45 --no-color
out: 11.21
